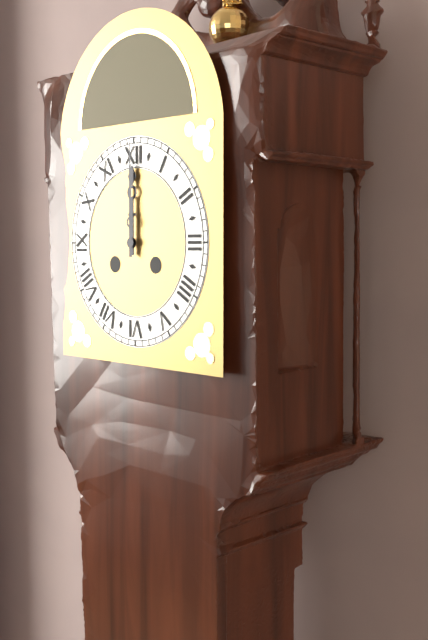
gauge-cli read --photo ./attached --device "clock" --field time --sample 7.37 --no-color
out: 12.00
